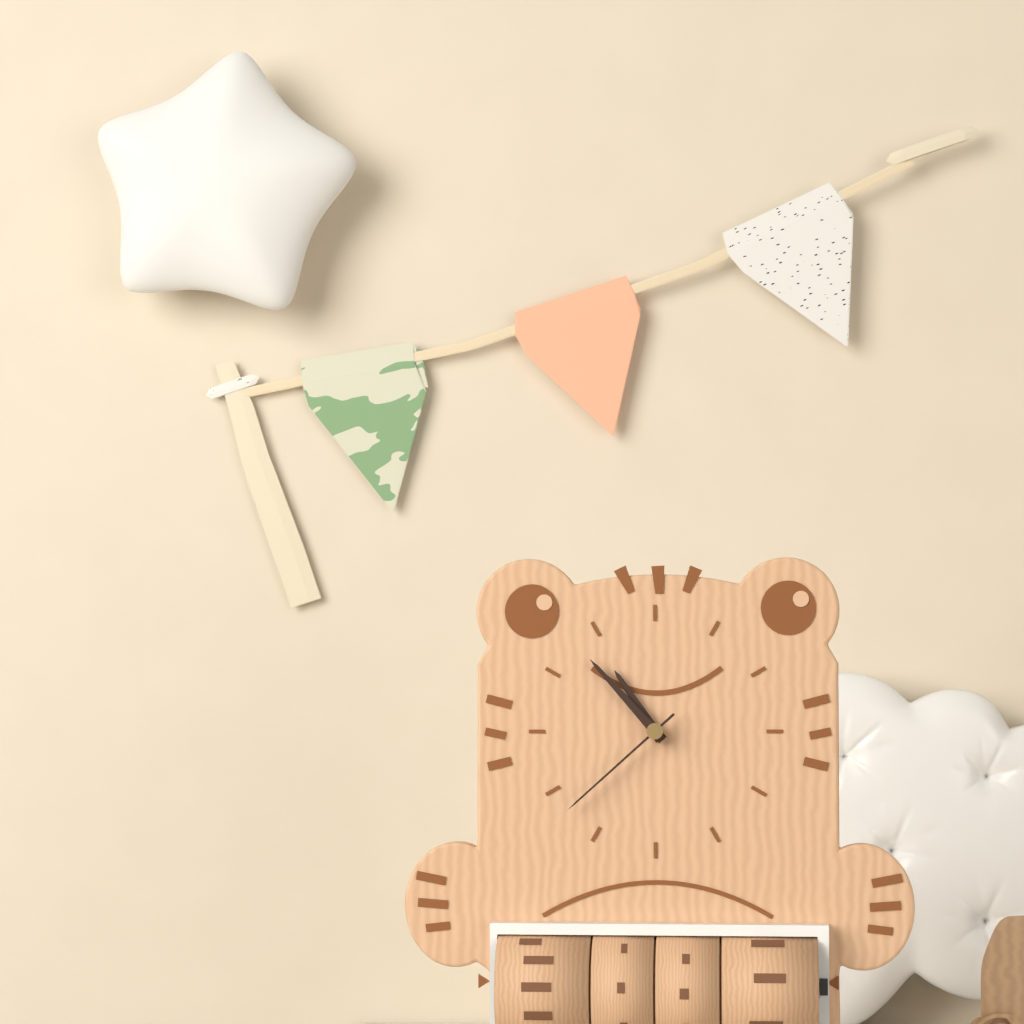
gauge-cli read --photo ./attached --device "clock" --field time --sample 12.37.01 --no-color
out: 10.53.38
